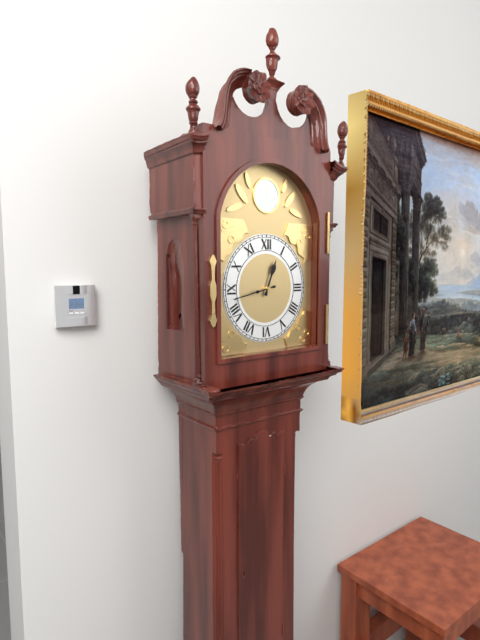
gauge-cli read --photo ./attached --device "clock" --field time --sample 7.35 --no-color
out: 12.43
